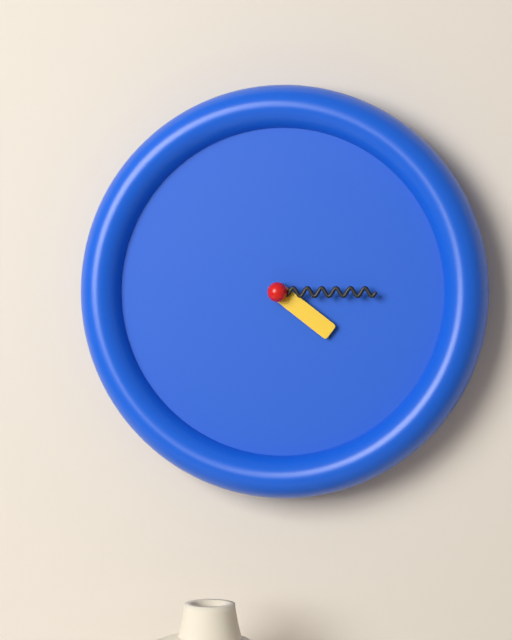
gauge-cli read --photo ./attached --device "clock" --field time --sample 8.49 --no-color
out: 4.15
